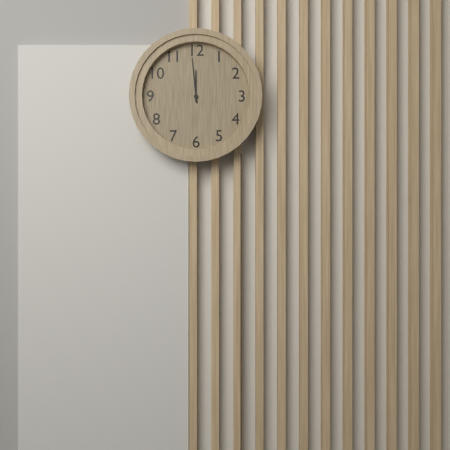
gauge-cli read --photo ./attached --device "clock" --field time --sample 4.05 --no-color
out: 11.59
